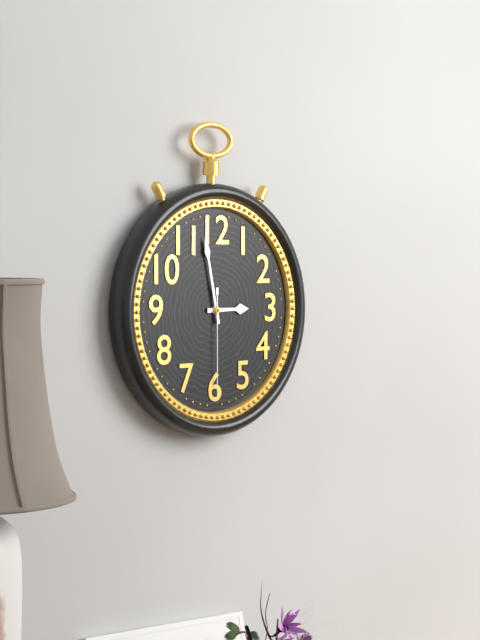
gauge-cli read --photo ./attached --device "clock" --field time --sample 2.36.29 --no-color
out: 2.58.30
